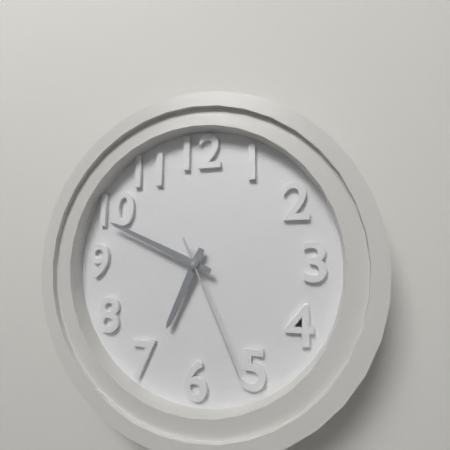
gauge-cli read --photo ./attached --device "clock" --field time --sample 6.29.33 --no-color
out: 6.49.26
